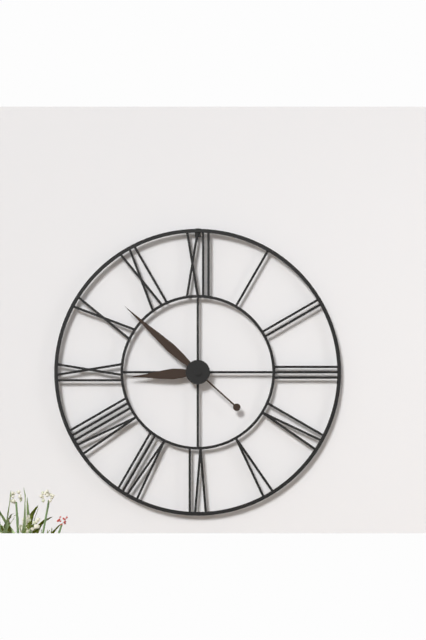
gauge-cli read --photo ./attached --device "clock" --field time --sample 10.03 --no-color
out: 8.52
